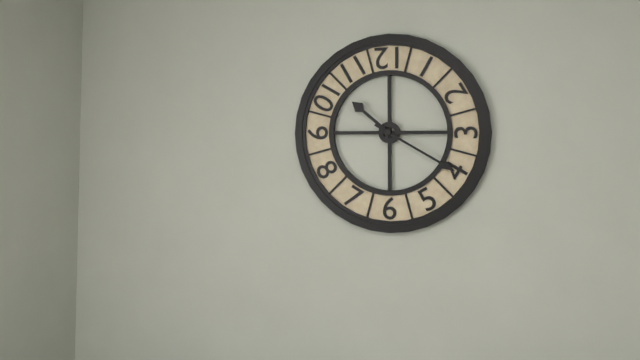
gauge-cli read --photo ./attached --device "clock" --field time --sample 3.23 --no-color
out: 10.20
